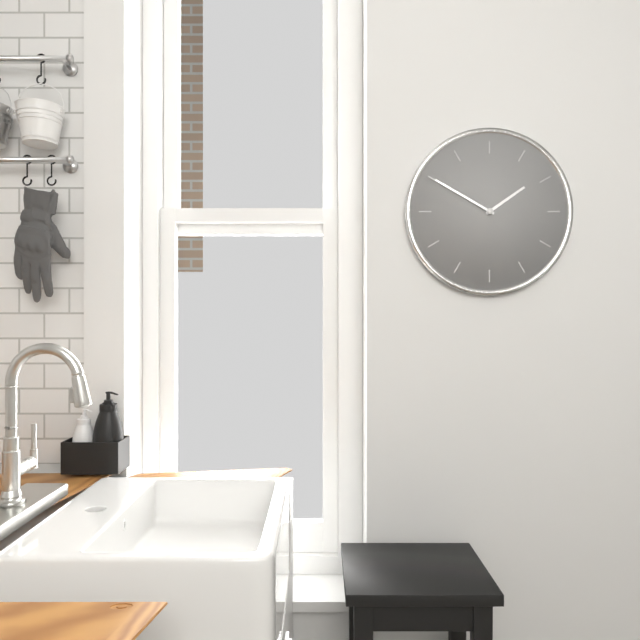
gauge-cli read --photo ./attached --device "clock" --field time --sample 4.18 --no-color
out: 1.50
